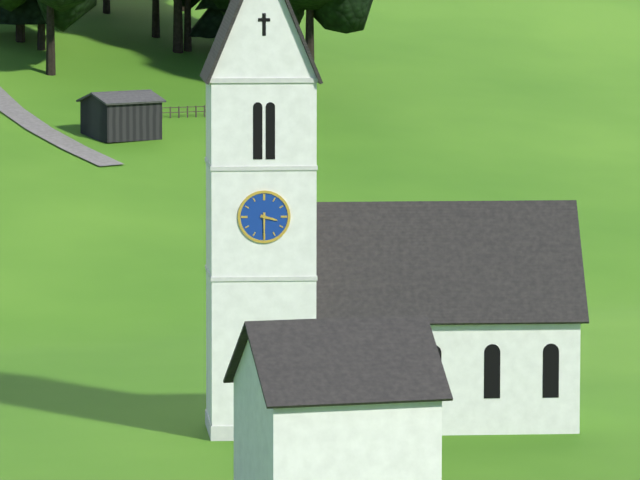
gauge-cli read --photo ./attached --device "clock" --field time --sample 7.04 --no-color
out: 3.30
